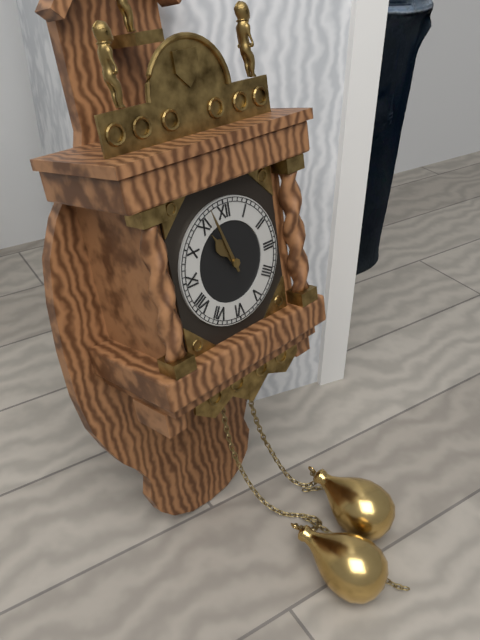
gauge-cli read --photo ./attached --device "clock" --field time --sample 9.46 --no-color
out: 10.57
